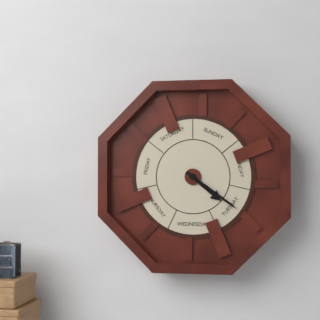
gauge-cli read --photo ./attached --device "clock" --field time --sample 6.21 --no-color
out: 4.21
